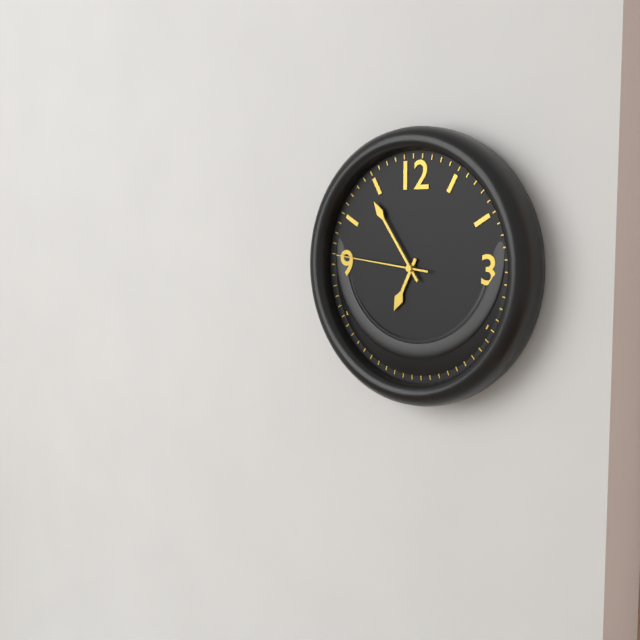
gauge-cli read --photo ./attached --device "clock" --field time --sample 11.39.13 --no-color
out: 6.54.46
